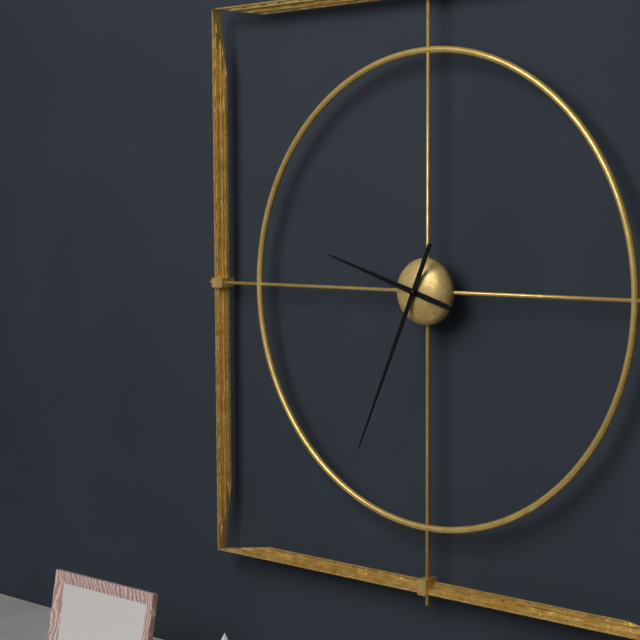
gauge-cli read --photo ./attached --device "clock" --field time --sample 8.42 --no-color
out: 9.34
